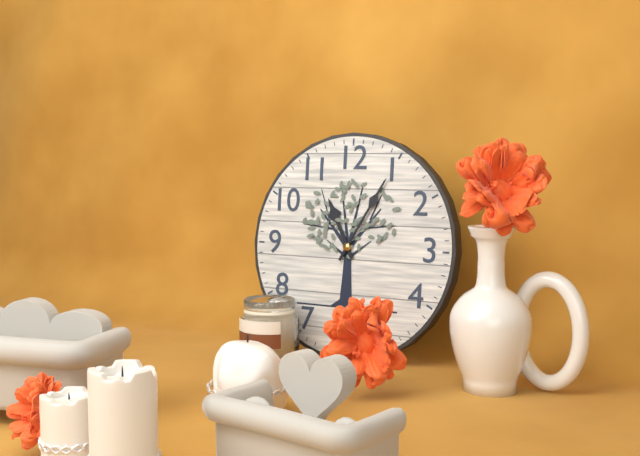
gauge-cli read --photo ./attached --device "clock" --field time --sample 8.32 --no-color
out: 11.05
